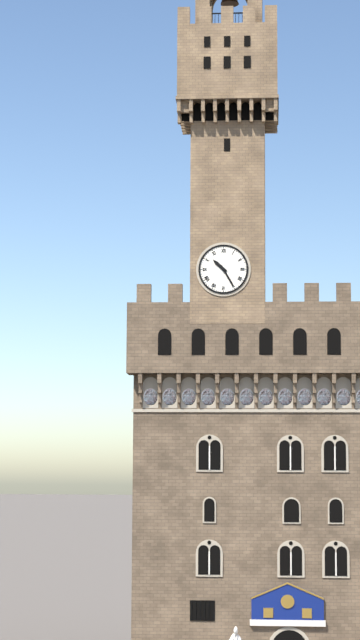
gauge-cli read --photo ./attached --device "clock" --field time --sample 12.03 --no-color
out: 10.25
